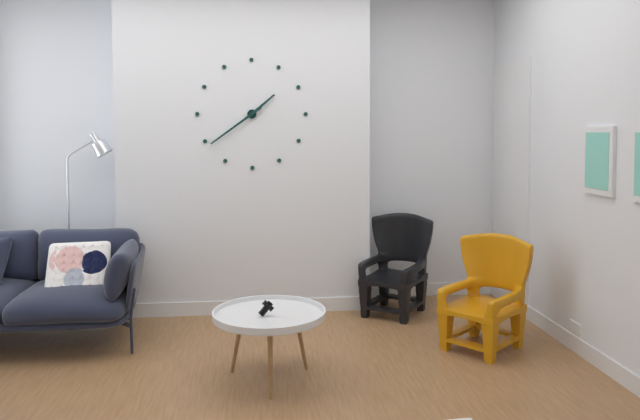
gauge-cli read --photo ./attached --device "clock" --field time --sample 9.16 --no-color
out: 1.39
